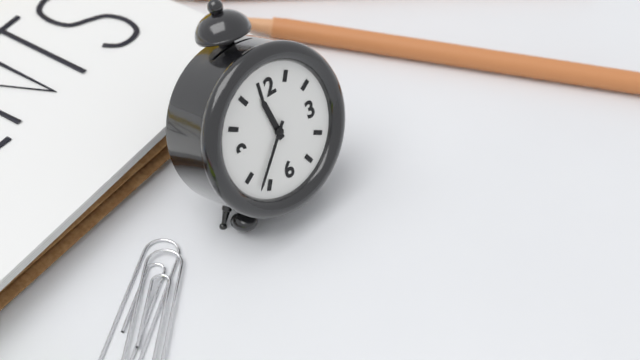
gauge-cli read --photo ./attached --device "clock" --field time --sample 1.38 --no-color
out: 11.37
